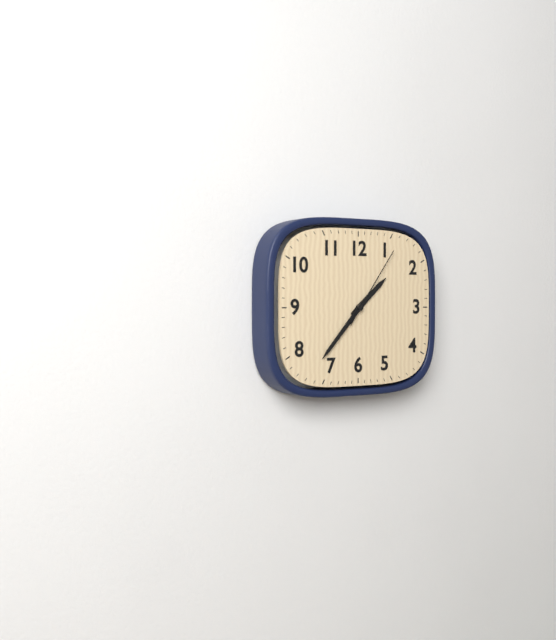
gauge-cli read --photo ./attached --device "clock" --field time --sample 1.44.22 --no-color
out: 1.37.06
